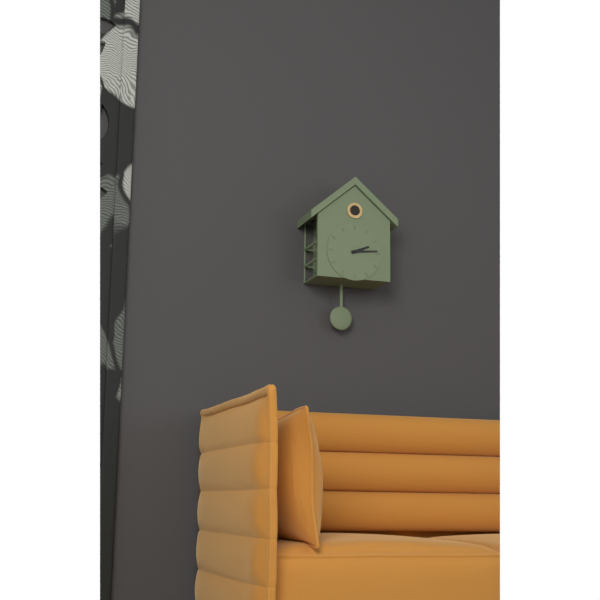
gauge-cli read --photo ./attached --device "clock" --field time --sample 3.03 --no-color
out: 2.14
